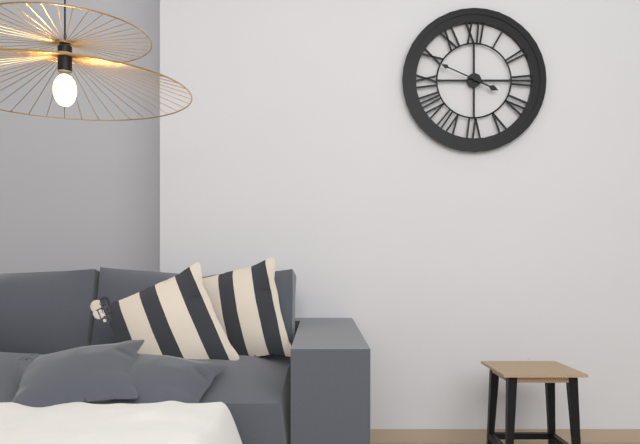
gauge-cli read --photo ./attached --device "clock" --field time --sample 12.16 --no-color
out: 3.49
